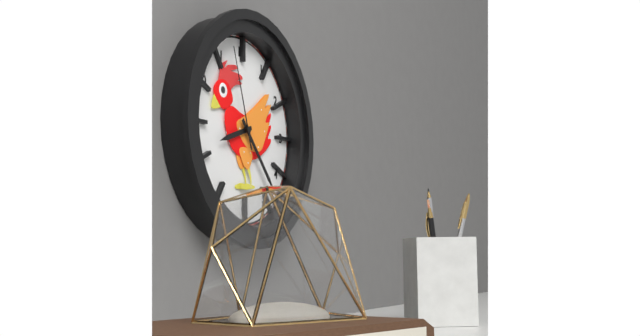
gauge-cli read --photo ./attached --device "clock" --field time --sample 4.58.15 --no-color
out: 8.23.57
